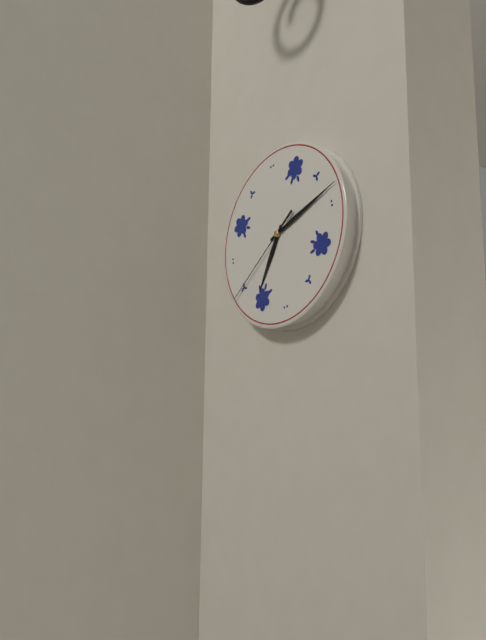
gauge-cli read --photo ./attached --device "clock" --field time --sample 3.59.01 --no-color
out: 7.13.40
